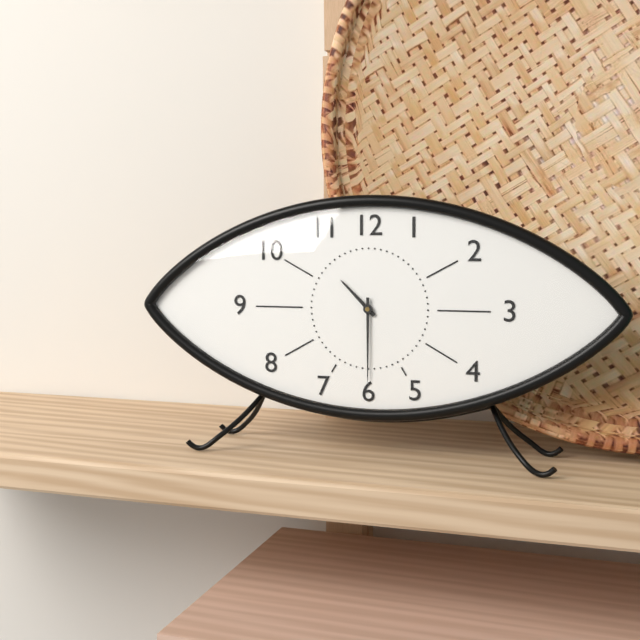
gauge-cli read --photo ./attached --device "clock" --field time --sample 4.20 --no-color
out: 10.30
